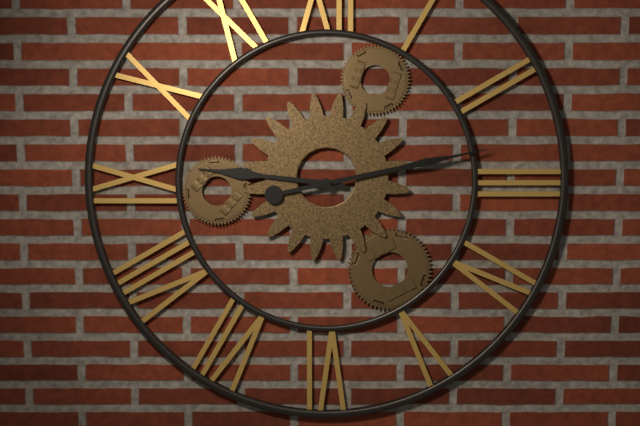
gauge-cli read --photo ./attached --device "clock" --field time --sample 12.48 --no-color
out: 9.13
